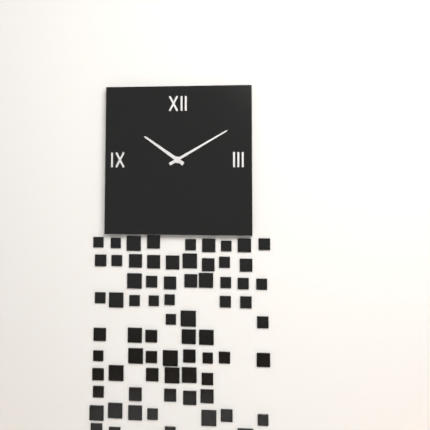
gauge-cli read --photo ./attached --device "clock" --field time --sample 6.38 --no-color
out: 10.10
